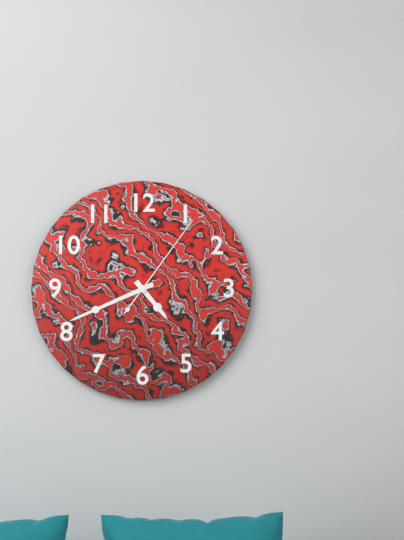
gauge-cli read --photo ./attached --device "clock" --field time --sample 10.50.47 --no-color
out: 4.41.06
